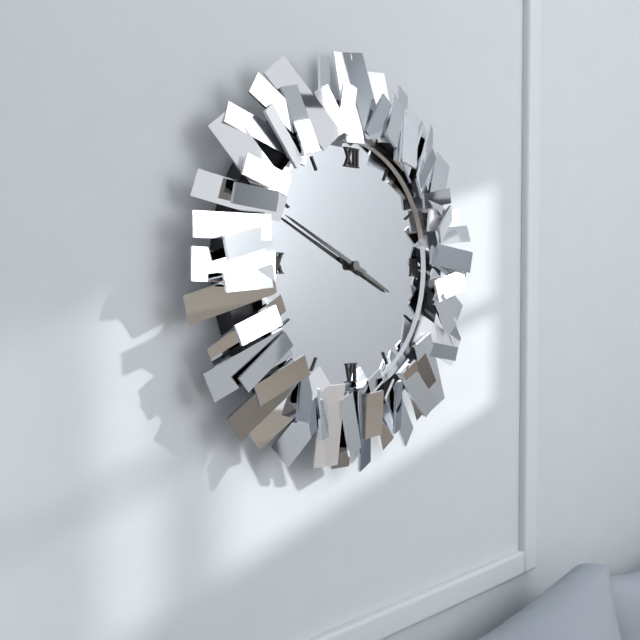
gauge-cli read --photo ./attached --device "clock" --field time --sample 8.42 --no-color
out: 3.49
